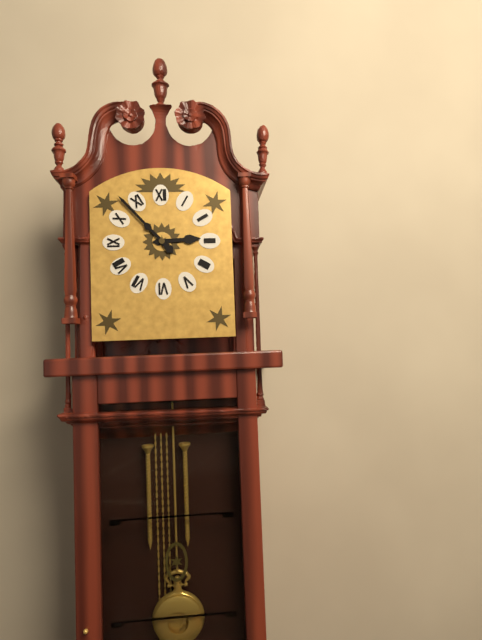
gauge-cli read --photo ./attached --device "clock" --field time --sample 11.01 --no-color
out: 2.53
